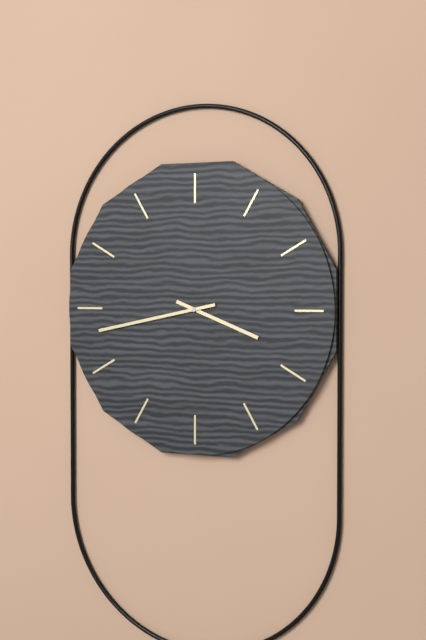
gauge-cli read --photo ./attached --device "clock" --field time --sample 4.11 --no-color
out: 3.43
